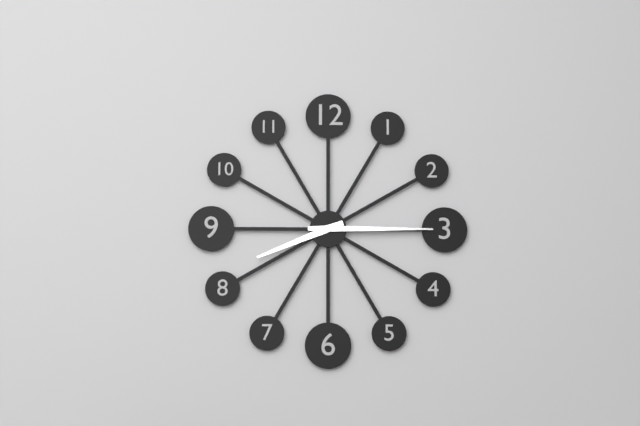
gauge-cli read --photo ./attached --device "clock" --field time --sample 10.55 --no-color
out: 8.15
